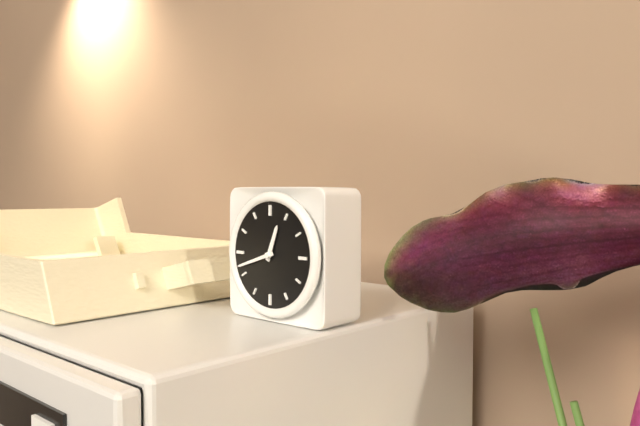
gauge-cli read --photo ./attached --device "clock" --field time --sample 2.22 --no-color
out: 12.42
